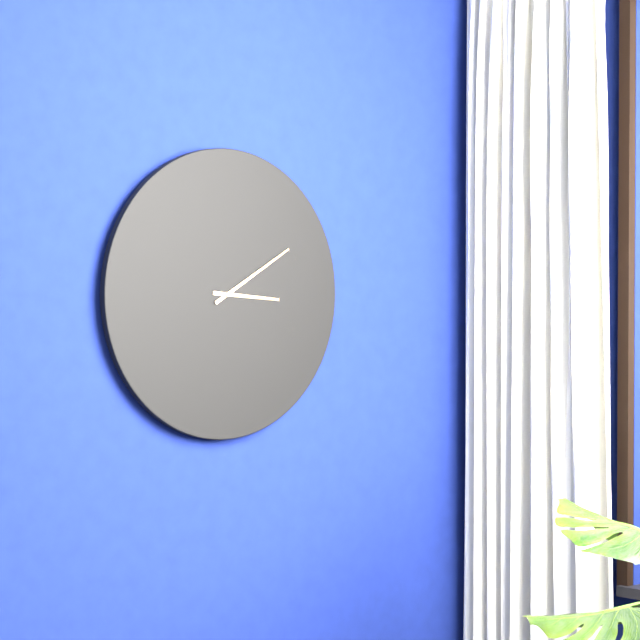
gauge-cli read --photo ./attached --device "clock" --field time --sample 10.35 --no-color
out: 3.10
